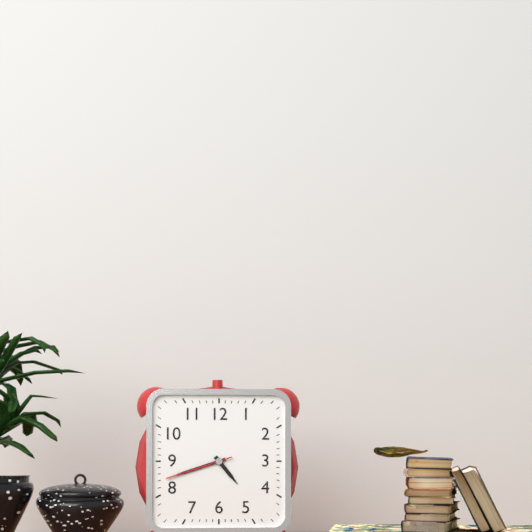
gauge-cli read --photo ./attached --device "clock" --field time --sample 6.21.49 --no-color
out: 4.42.42
